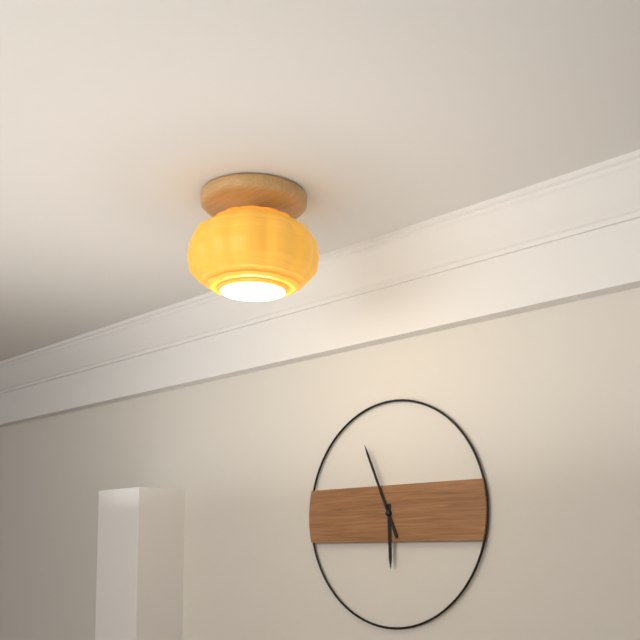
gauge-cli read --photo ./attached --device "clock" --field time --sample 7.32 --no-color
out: 5.56
